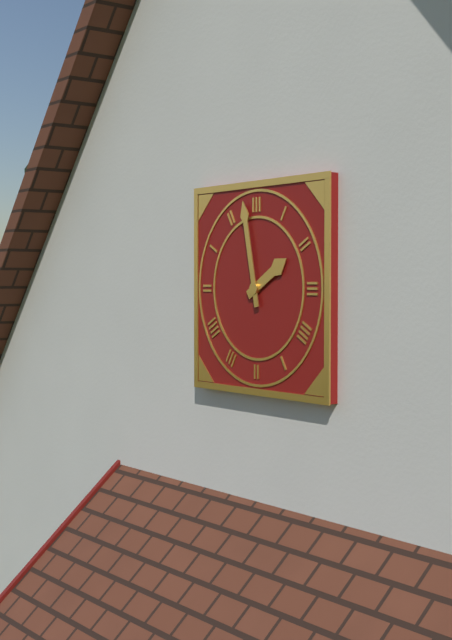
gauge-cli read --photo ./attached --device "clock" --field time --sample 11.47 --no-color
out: 1.58
